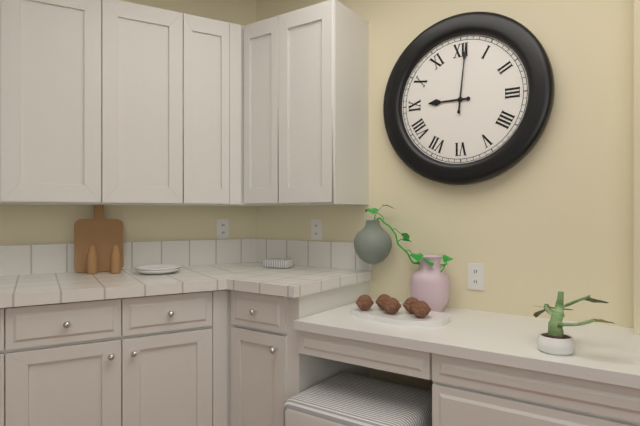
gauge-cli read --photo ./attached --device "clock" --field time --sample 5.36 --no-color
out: 9.01
